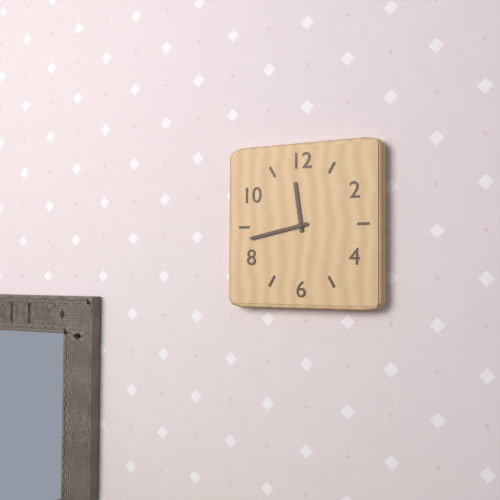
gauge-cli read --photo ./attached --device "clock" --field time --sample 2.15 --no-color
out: 11.43
